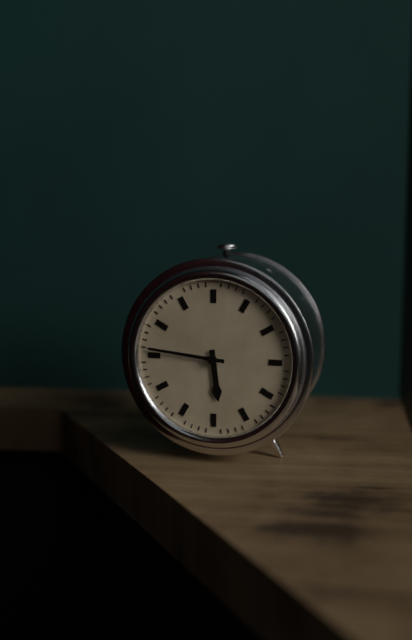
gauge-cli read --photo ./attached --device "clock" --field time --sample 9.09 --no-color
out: 5.46
